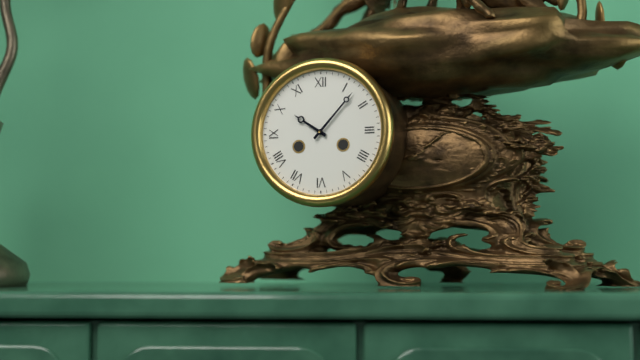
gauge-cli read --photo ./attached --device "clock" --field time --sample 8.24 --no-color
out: 10.07
